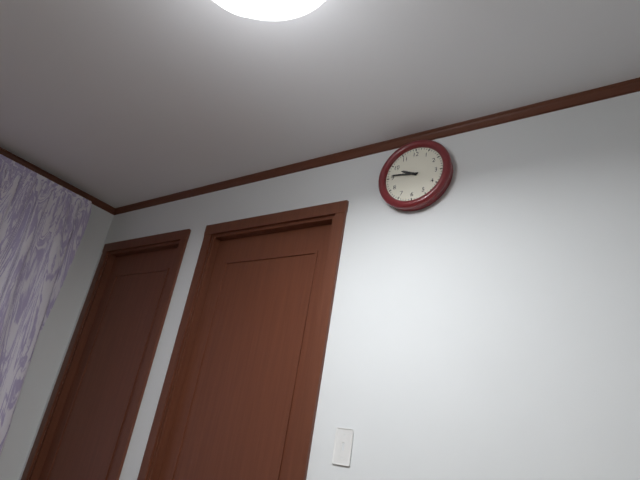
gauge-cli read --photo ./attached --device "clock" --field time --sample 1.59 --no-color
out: 9.46
